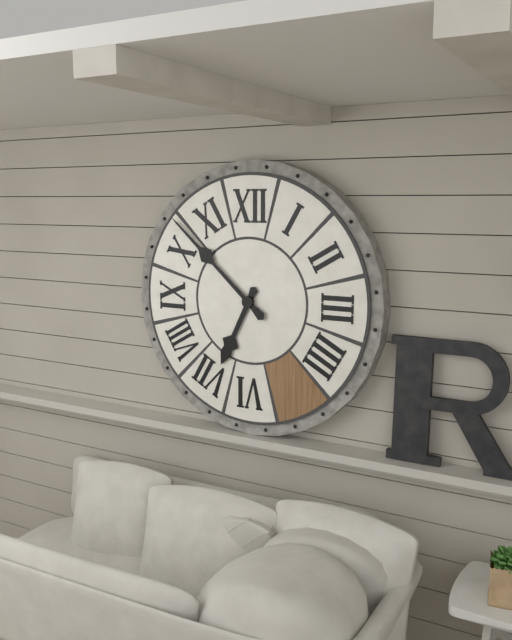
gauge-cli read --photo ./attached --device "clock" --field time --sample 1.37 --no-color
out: 6.52
